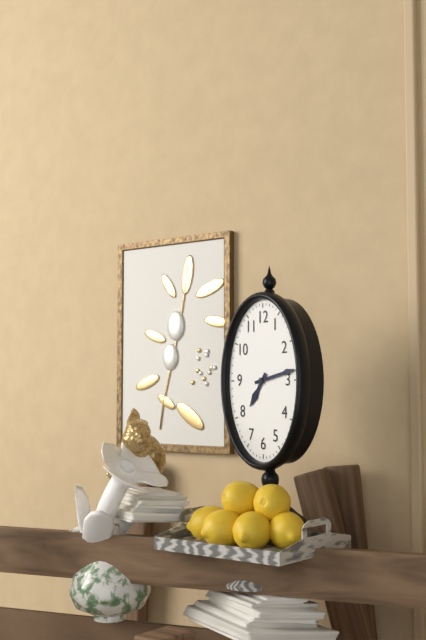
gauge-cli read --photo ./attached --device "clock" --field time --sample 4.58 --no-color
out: 7.13
